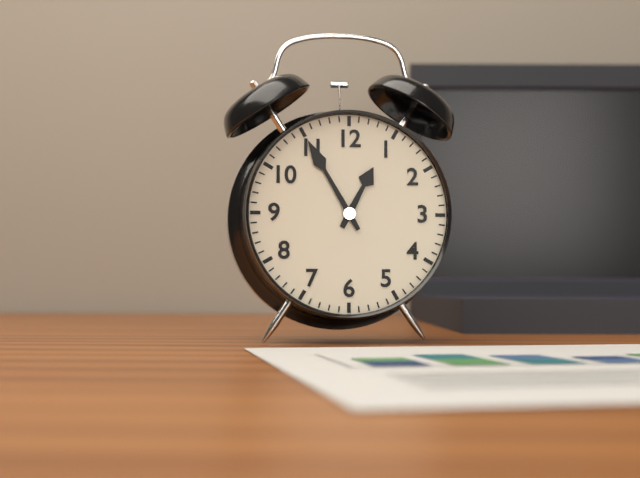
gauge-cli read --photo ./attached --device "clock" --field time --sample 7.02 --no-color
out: 12.55
